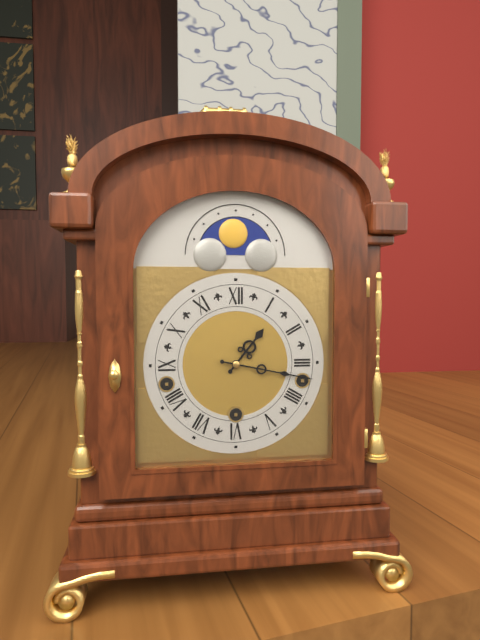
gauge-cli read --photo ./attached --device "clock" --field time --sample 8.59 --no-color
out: 1.17
